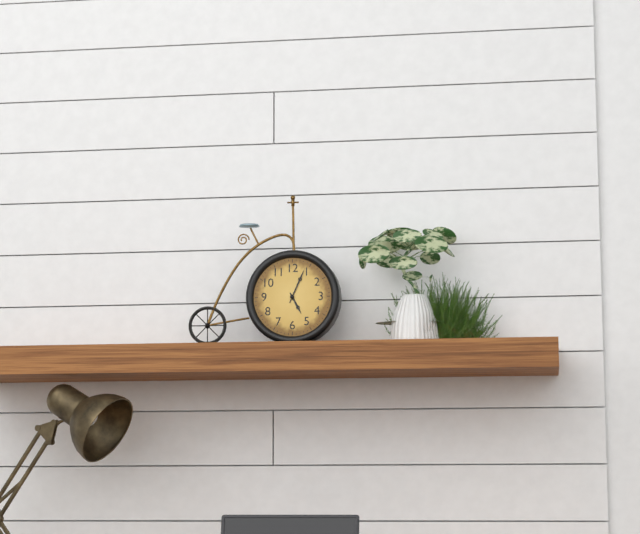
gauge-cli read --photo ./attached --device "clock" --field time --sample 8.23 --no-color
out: 5.04
